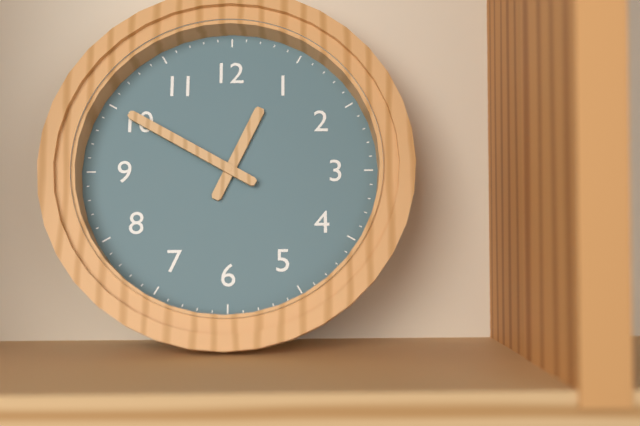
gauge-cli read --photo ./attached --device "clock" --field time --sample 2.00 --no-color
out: 12.50
